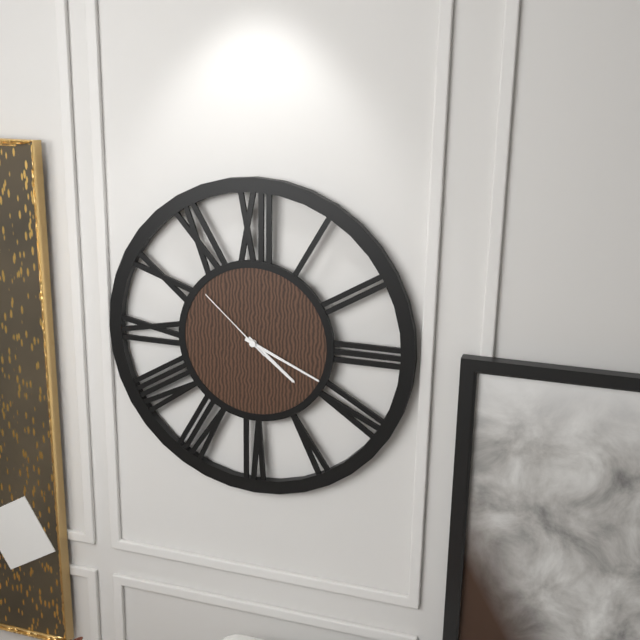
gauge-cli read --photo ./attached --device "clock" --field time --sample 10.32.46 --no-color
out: 4.19.52
